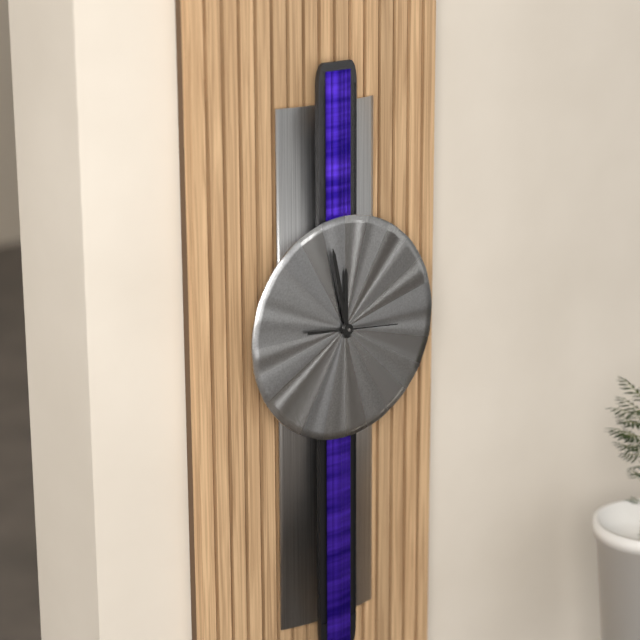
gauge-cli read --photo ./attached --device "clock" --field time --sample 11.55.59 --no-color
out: 11.58.16
